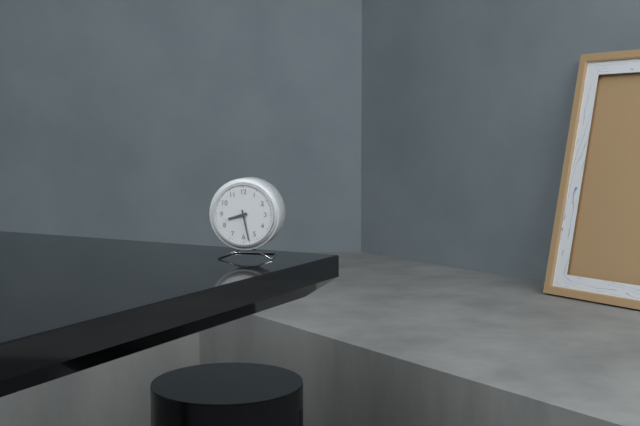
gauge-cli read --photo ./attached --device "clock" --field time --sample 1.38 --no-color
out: 8.28
